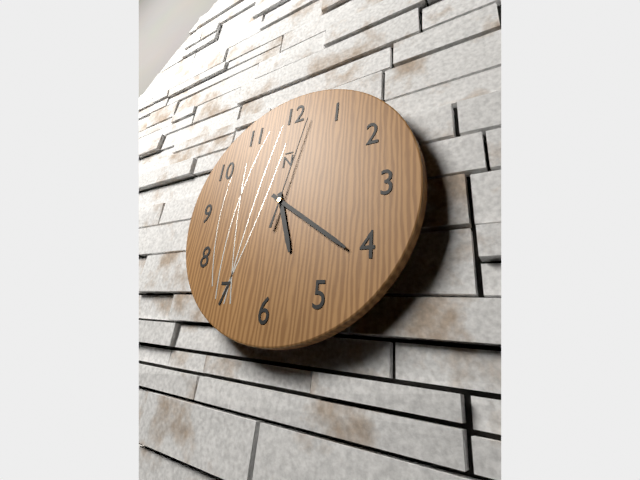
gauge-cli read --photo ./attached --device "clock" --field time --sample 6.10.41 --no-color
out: 5.21.02
